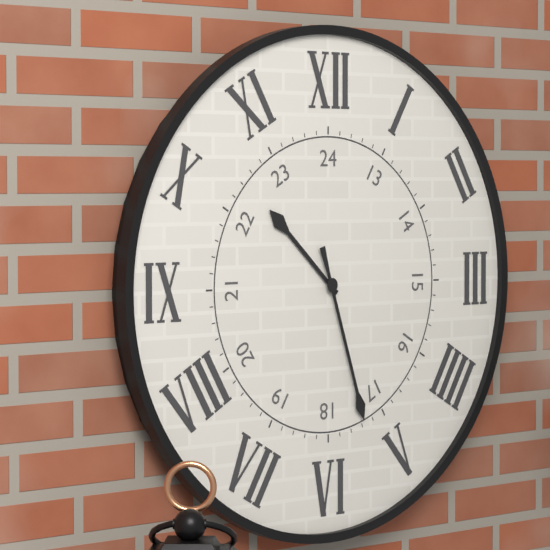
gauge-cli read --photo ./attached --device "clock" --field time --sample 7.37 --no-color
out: 10.27
